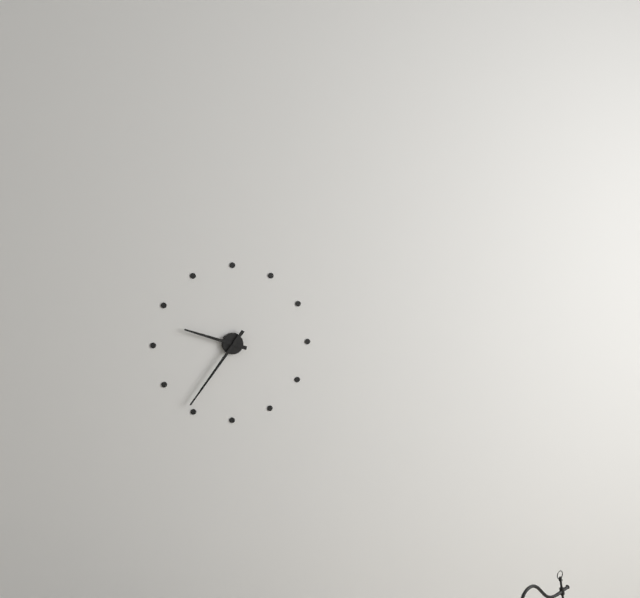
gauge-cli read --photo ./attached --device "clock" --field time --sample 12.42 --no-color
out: 9.36
